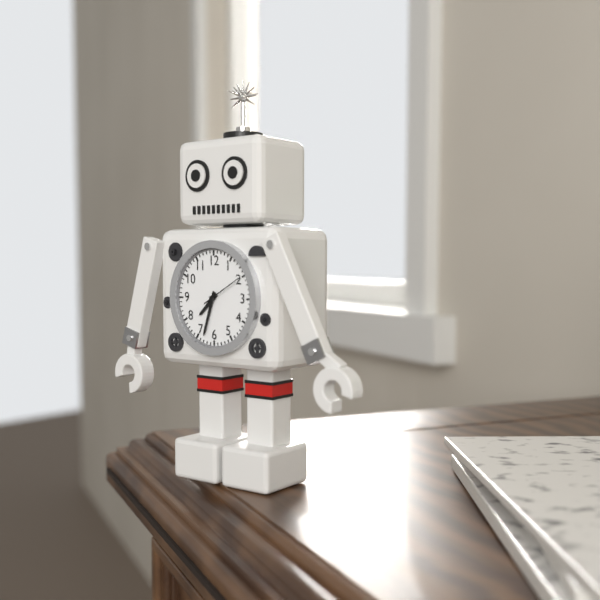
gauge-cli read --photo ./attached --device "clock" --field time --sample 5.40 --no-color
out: 7.33
